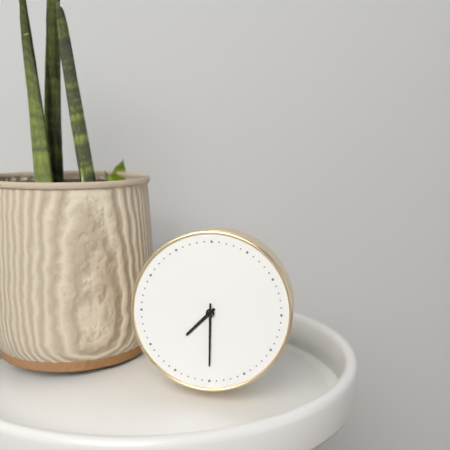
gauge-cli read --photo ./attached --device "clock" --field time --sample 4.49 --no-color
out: 7.30
